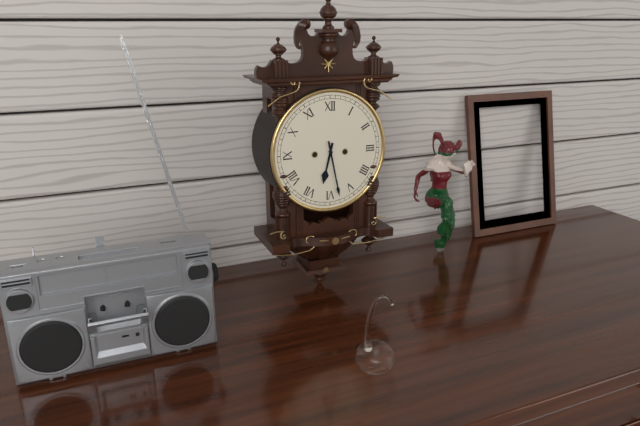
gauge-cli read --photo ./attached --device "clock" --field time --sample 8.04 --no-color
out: 6.28
